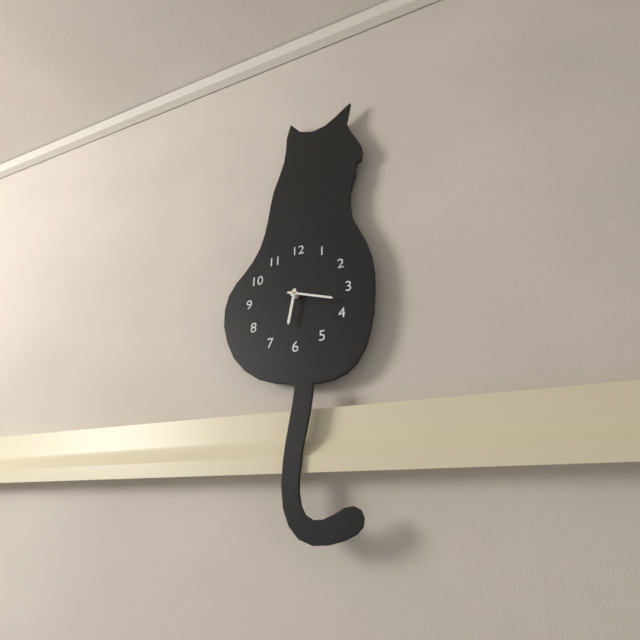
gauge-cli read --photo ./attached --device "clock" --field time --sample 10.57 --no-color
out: 6.18
